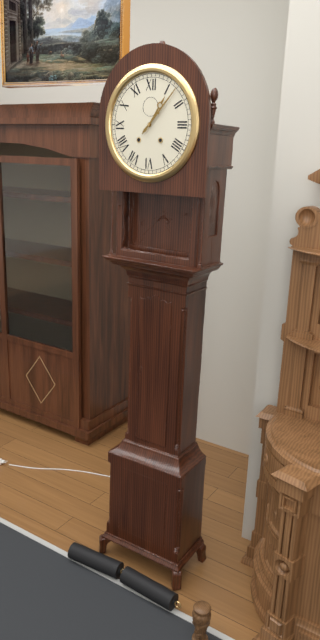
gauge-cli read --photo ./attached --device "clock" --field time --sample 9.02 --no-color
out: 1.07
